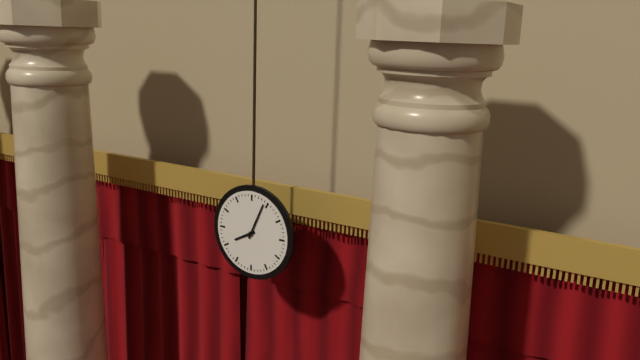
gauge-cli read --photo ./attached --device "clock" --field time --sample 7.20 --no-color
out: 8.04
